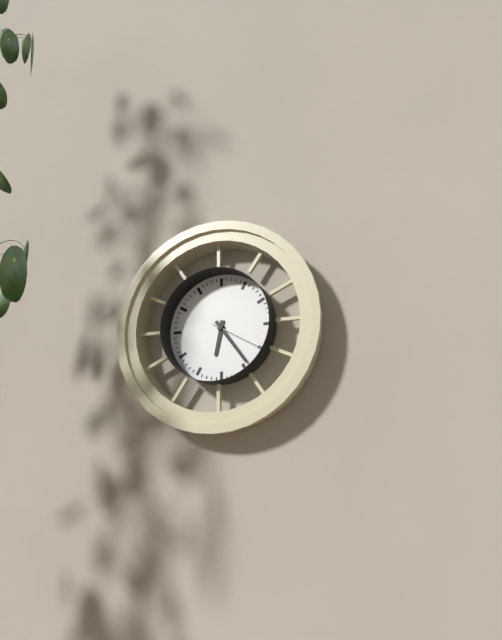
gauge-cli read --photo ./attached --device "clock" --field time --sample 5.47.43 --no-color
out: 6.24.20
